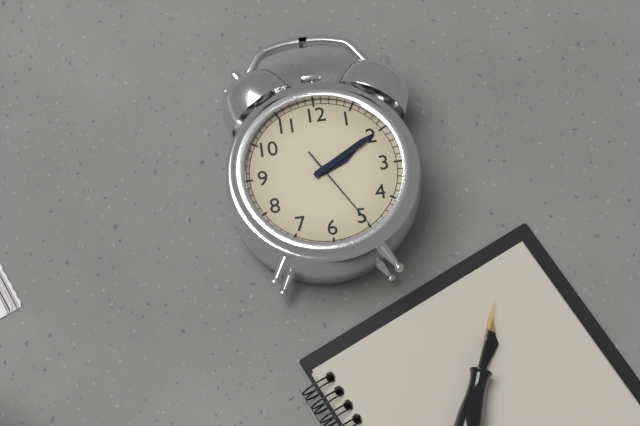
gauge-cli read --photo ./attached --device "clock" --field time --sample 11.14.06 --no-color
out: 2.10.25
